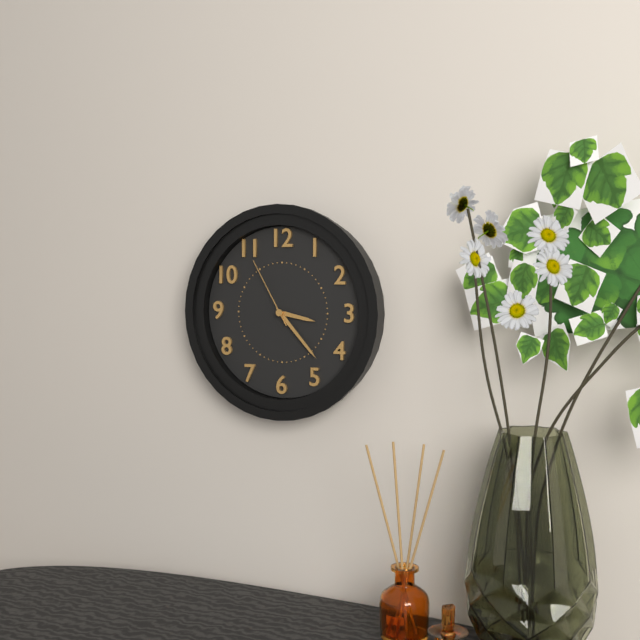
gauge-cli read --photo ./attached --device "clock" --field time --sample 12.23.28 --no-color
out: 3.23.55
